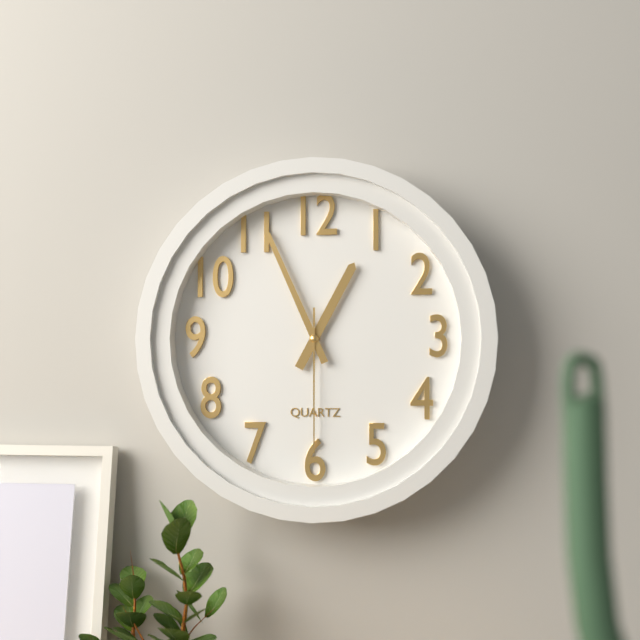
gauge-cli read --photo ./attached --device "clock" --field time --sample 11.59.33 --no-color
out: 12.56.30
